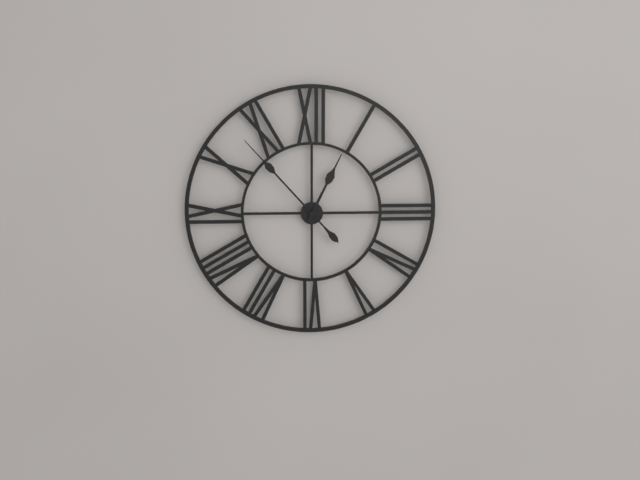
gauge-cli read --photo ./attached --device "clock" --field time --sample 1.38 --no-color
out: 12.53
